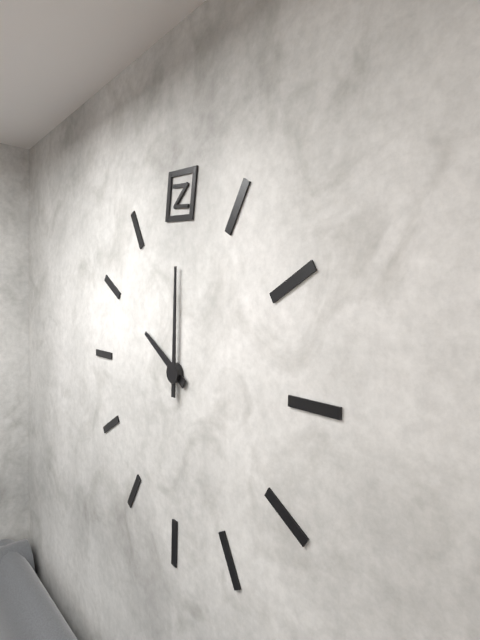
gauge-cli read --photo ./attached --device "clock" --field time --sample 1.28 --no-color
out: 10.00
